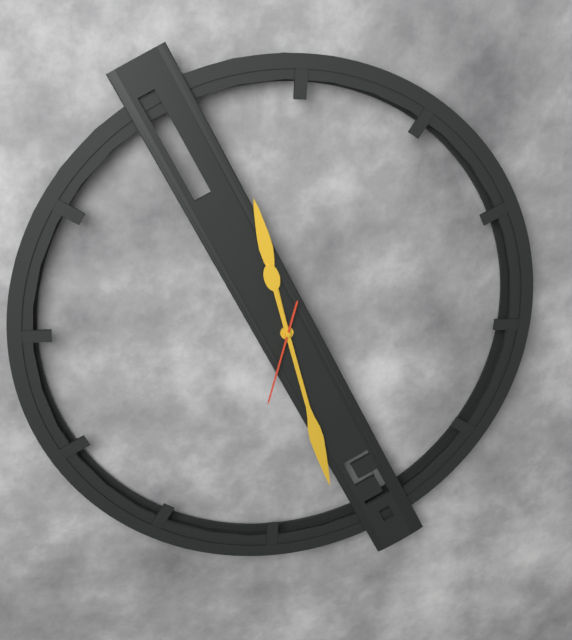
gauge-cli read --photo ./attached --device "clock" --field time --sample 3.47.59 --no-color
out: 11.27.32
